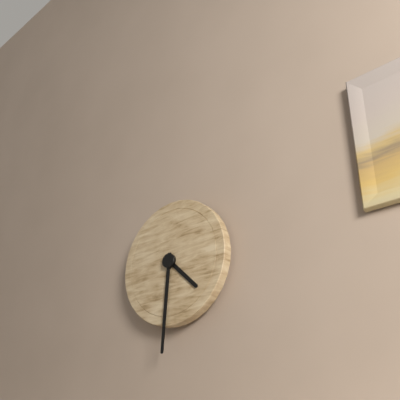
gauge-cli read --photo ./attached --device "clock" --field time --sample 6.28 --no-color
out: 4.31
